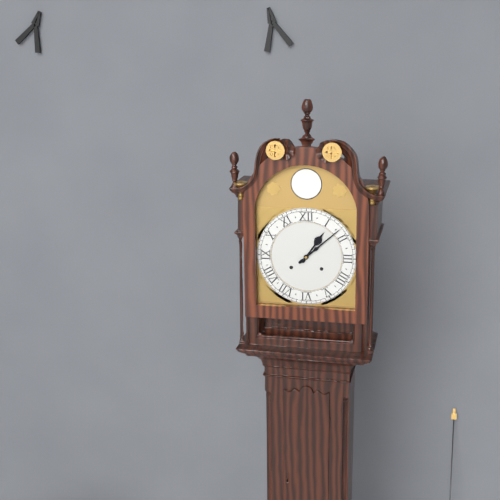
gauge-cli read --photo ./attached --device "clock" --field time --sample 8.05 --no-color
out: 1.08
